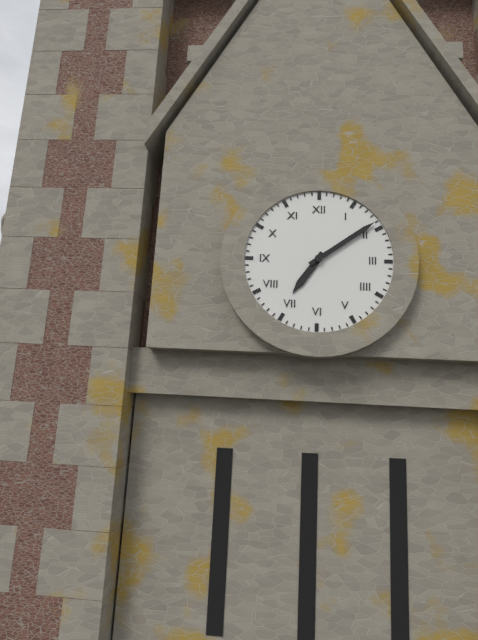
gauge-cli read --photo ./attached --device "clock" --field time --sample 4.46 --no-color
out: 7.09
